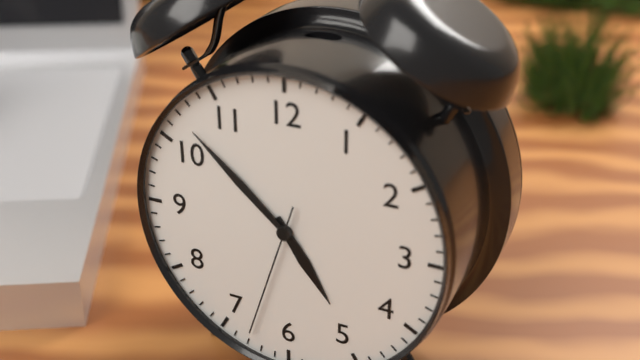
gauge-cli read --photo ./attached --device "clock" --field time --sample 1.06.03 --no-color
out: 4.52.33
